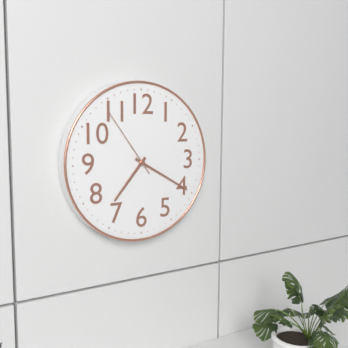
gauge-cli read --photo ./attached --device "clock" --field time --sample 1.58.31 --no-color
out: 7.20.54
